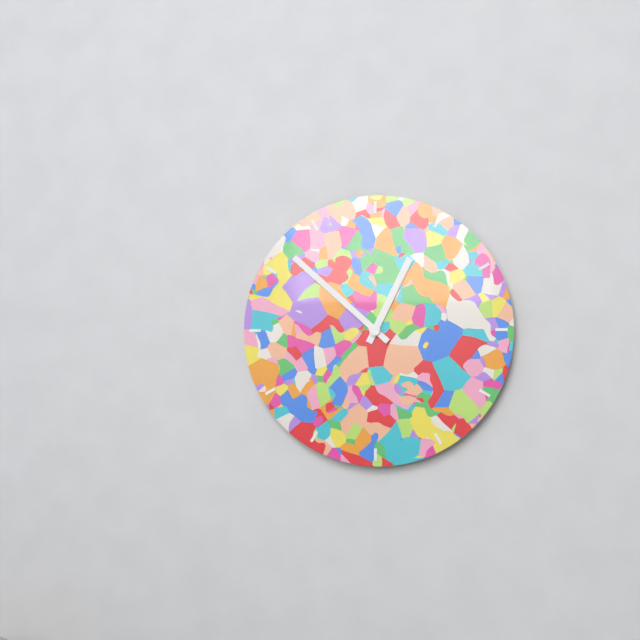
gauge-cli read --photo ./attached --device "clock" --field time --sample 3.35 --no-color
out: 12.52
